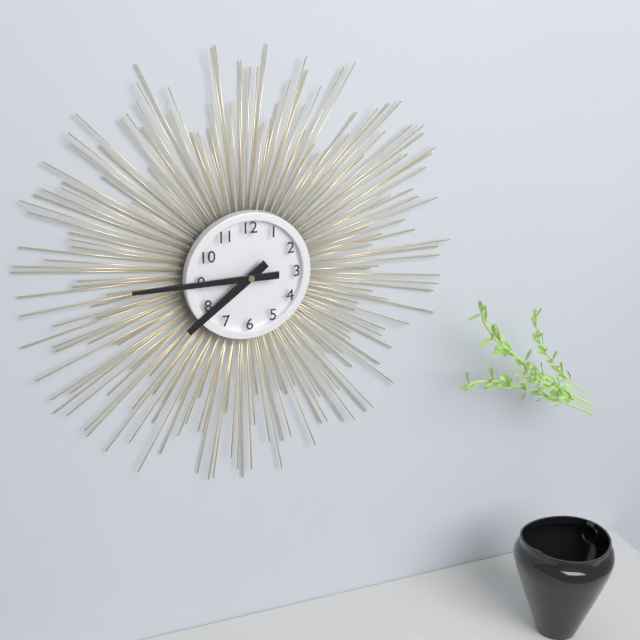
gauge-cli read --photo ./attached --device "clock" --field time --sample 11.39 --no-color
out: 7.45
